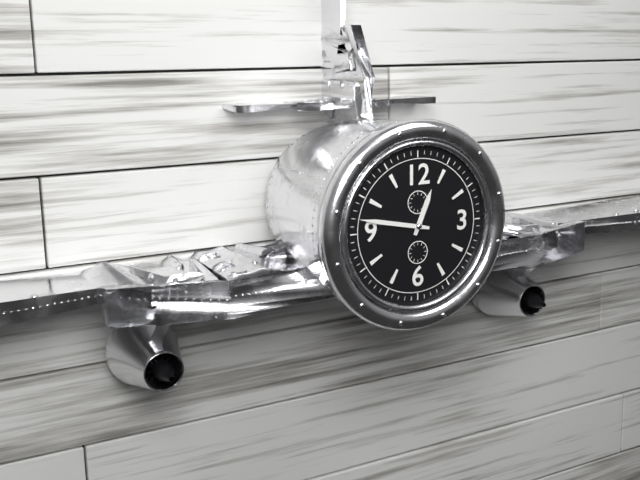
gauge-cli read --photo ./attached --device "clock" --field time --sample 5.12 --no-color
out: 12.47
